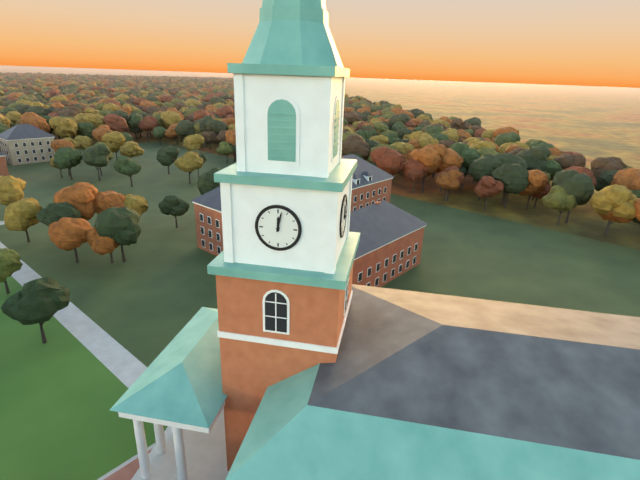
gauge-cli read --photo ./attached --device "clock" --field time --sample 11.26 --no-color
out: 12.02
